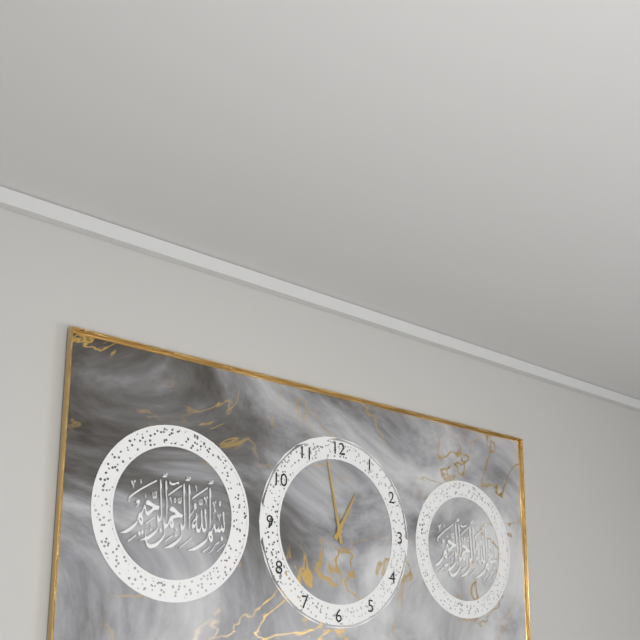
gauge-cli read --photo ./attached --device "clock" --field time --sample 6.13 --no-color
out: 12.58
